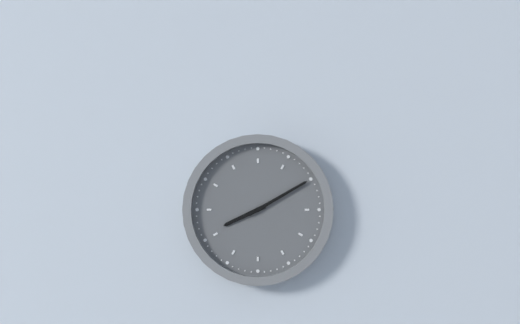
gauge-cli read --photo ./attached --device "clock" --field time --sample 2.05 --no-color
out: 8.10
